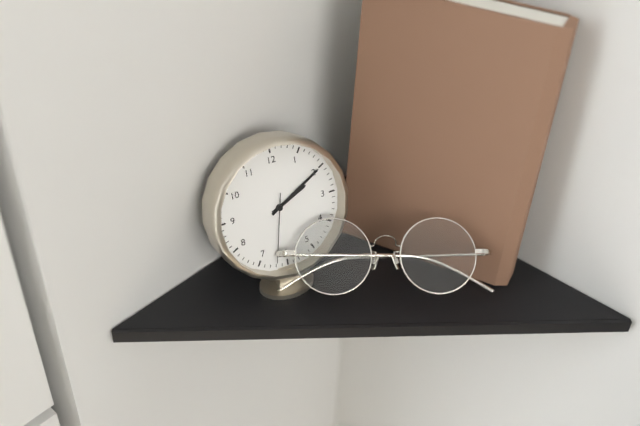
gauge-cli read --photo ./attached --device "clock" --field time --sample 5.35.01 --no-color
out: 2.10.32
